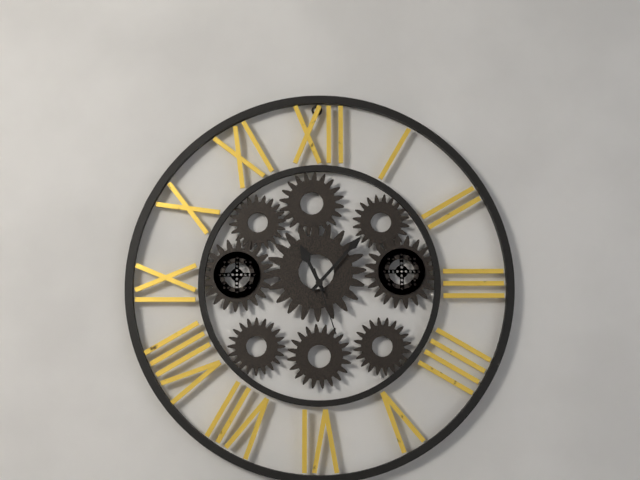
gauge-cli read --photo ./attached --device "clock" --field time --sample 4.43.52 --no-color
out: 11.07.27
